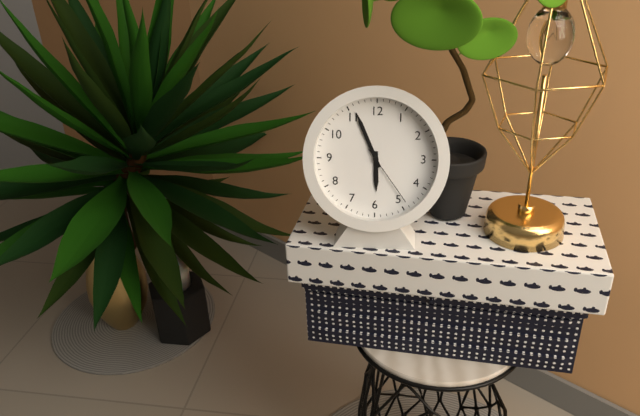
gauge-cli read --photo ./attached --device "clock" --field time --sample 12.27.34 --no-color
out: 5.56.24
